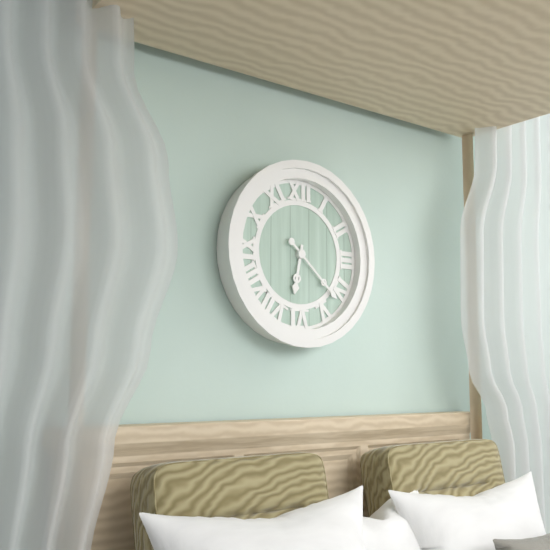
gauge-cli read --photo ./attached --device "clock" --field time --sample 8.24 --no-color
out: 6.22
